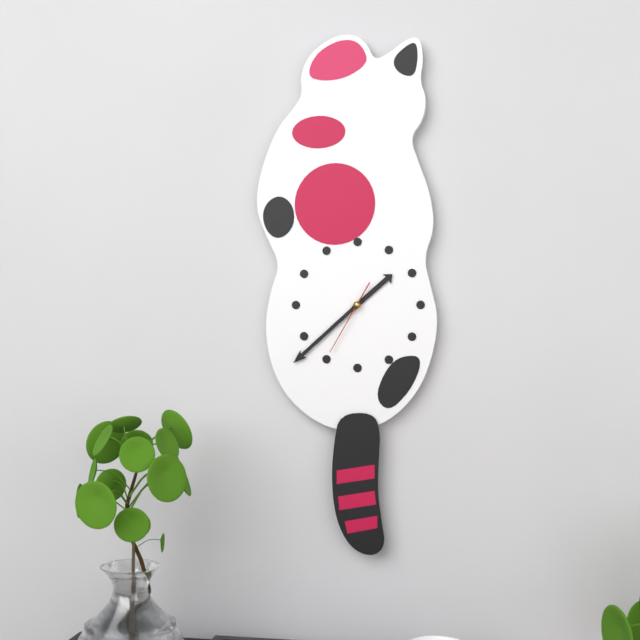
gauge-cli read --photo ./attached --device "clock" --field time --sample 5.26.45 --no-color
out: 1.38.35
